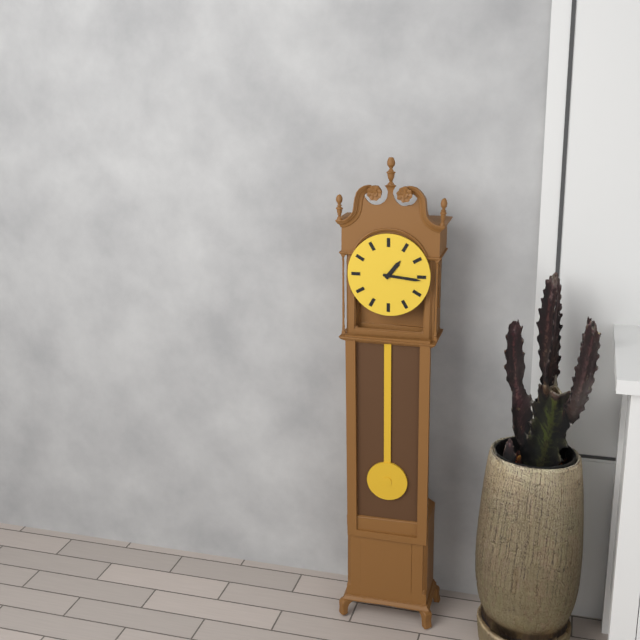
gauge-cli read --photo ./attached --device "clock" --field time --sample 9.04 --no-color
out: 1.16
